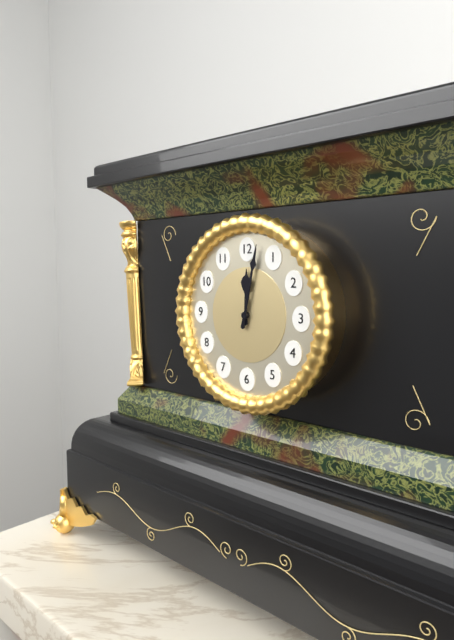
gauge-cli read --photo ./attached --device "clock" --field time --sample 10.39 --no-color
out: 12.02
